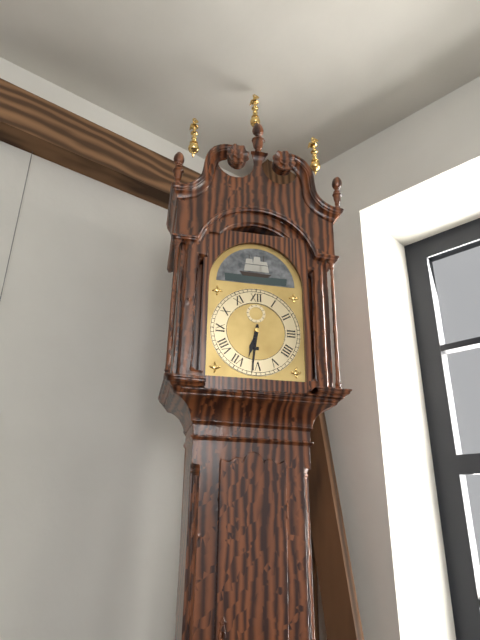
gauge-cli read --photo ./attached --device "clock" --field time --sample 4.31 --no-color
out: 6.31
